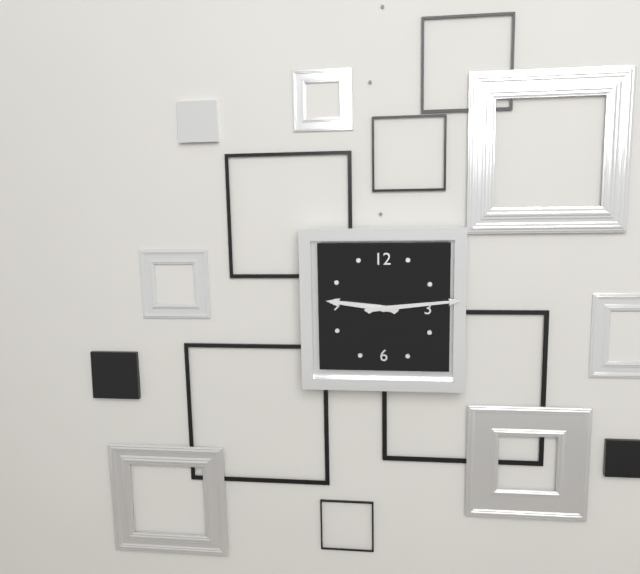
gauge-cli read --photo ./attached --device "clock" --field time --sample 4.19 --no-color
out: 9.14
